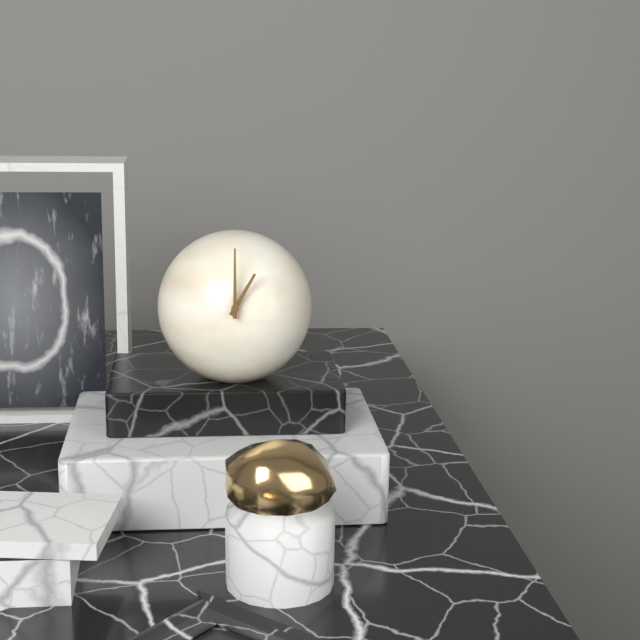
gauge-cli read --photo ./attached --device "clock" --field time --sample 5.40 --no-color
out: 1.00
